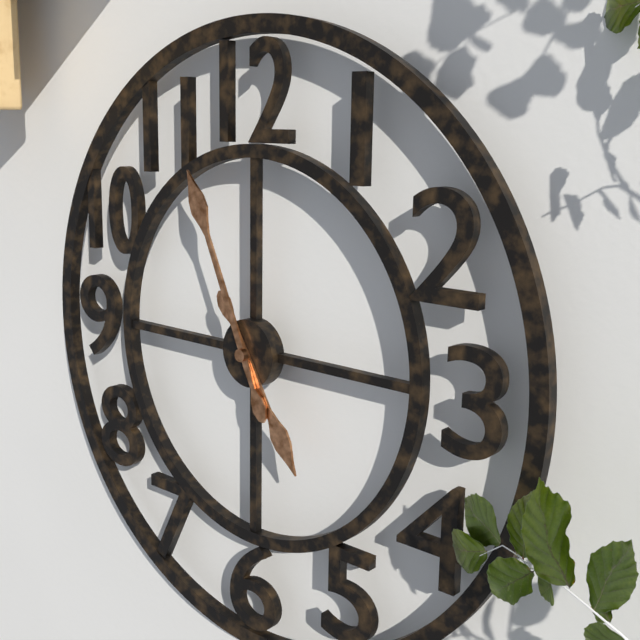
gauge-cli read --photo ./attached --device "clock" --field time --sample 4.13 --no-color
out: 4.56
